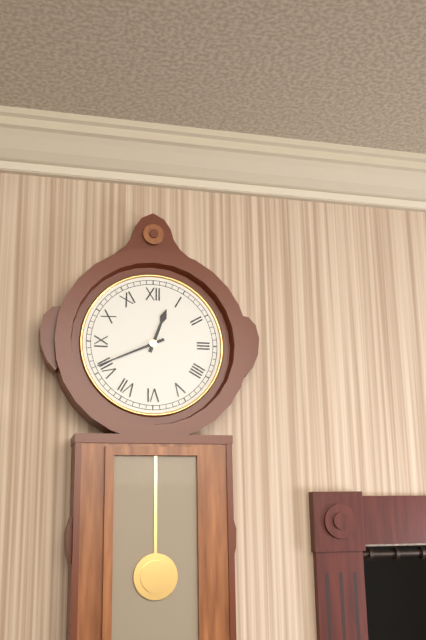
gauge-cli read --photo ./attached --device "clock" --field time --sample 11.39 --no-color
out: 12.41
